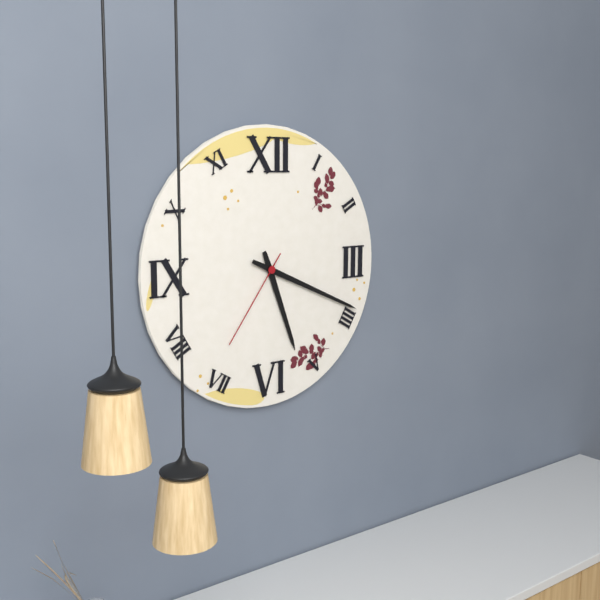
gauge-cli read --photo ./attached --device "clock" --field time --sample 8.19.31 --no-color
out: 5.19.36
